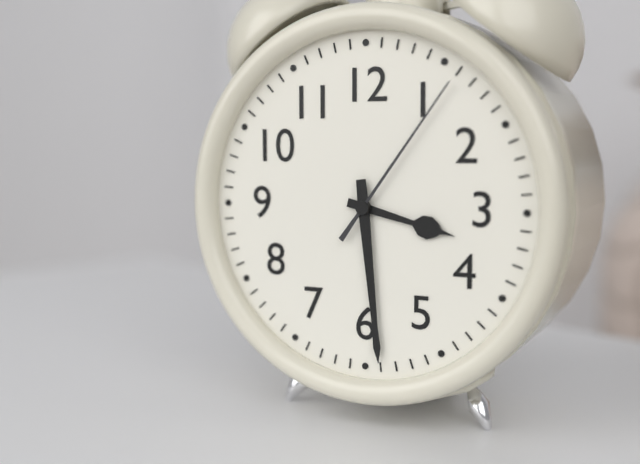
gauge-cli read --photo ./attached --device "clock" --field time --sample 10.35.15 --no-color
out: 3.29.06
